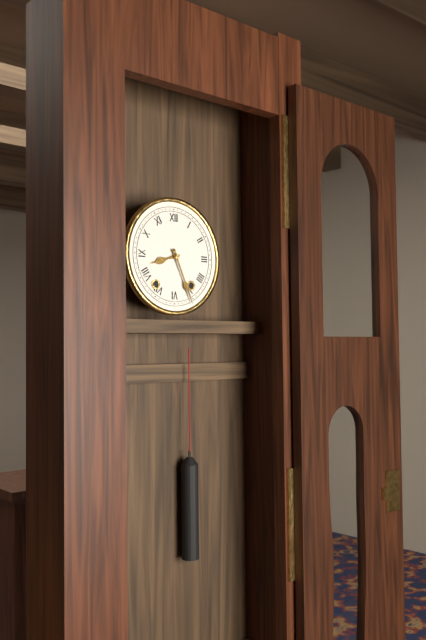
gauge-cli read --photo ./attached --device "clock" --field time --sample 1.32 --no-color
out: 8.26
